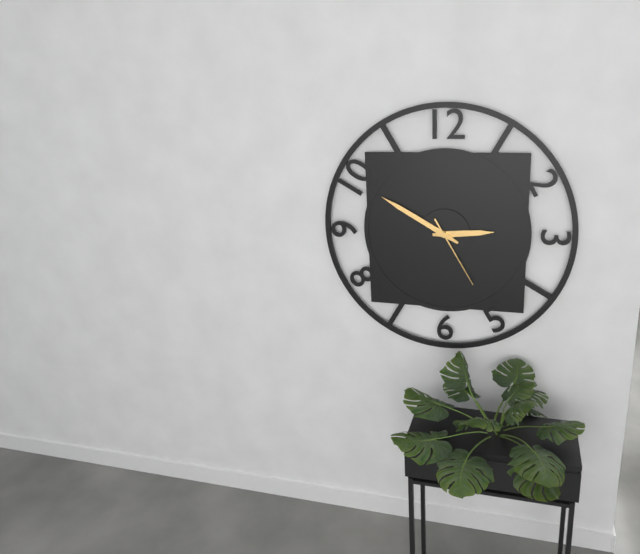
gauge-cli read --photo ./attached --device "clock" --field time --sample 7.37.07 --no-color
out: 2.50.25
